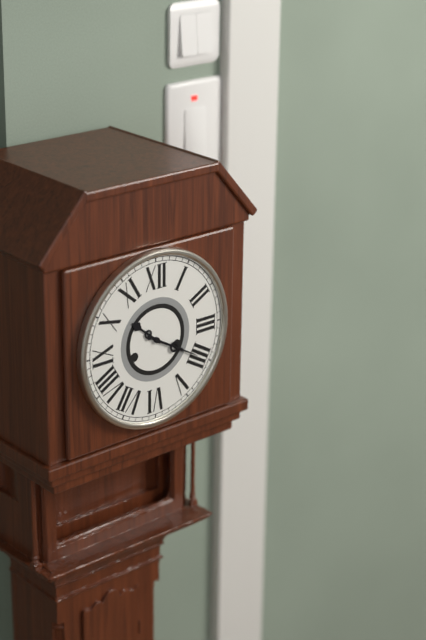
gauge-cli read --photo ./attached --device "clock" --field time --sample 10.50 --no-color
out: 10.20
